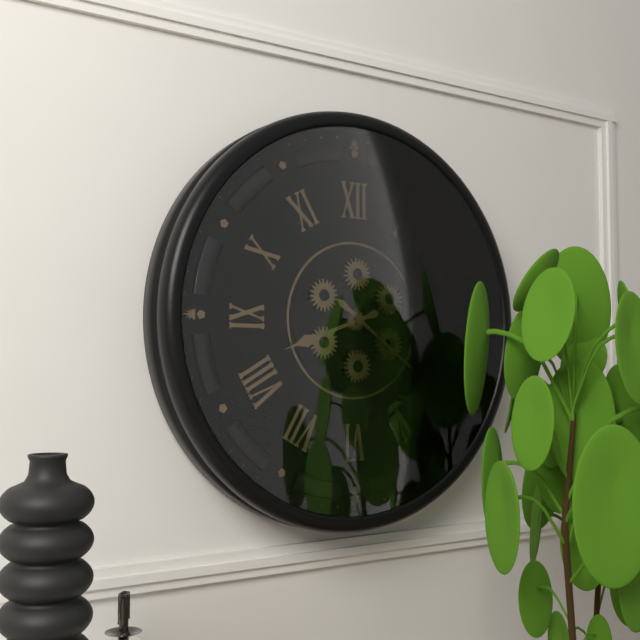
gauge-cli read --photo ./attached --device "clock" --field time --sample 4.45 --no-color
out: 8.21
